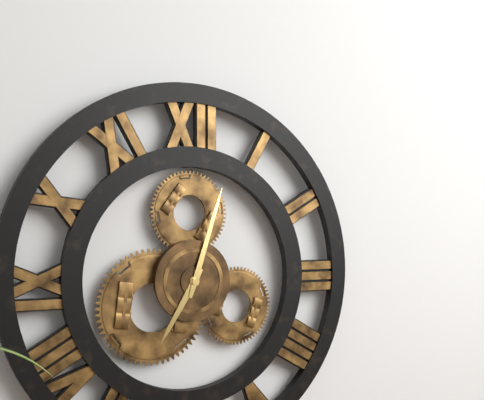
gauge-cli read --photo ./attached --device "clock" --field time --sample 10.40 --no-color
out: 7.03
